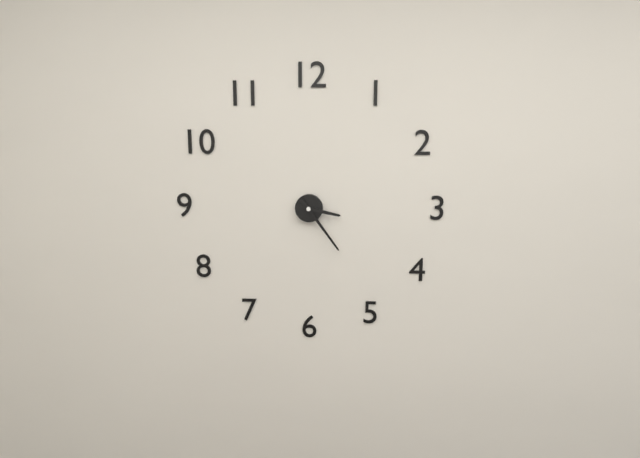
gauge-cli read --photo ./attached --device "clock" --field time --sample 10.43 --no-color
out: 3.24
